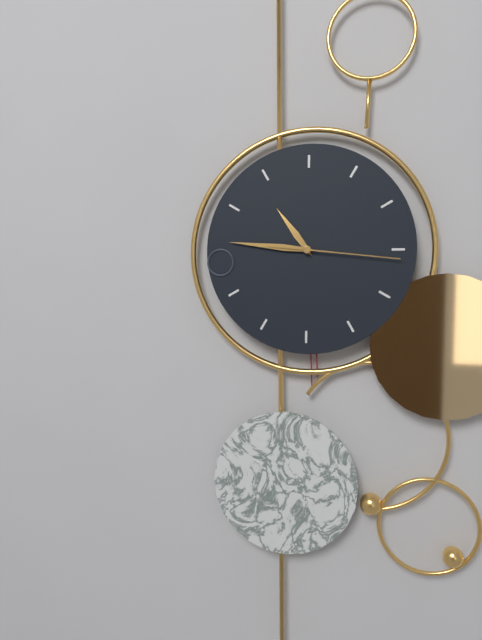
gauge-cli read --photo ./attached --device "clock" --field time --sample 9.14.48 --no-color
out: 10.46.16
